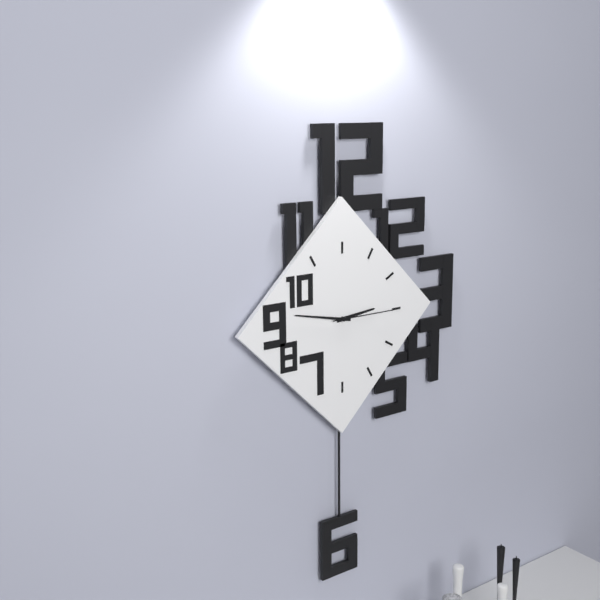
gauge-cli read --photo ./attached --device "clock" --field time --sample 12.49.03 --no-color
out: 2.47.15
